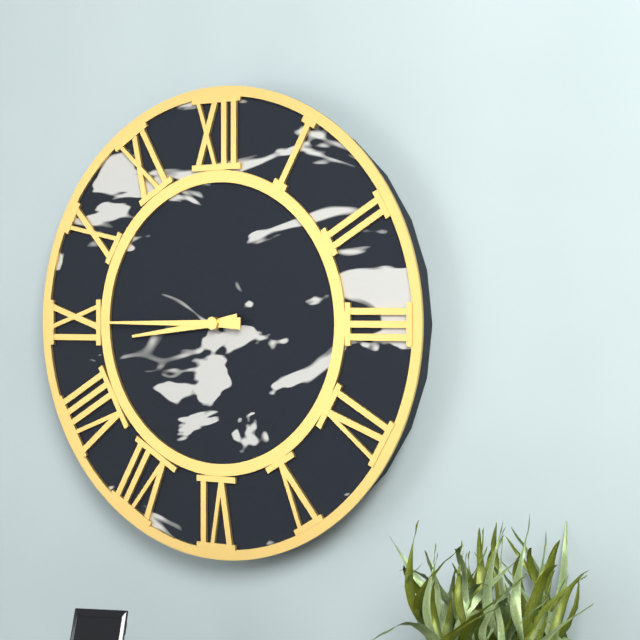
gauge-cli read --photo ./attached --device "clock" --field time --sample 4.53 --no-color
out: 8.45
